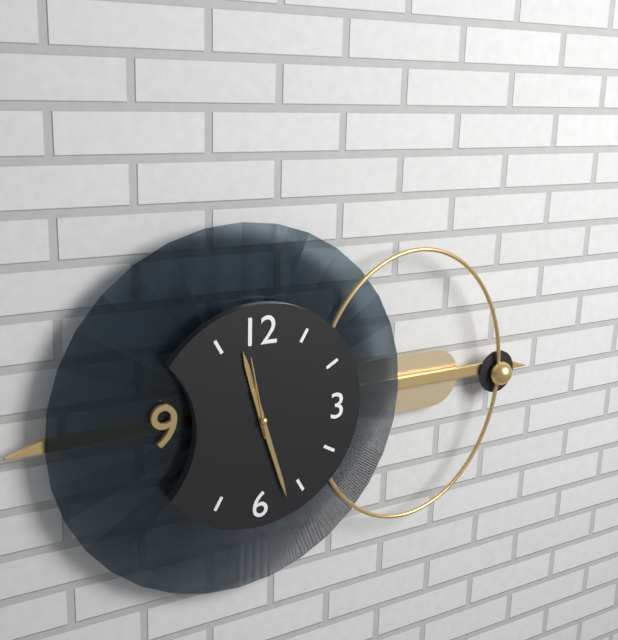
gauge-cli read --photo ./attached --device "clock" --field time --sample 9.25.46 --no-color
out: 11.27.58
